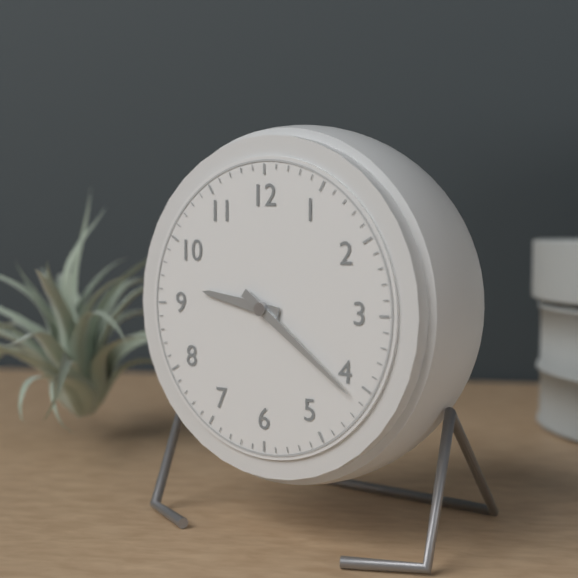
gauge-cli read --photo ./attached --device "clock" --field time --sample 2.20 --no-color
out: 9.21
